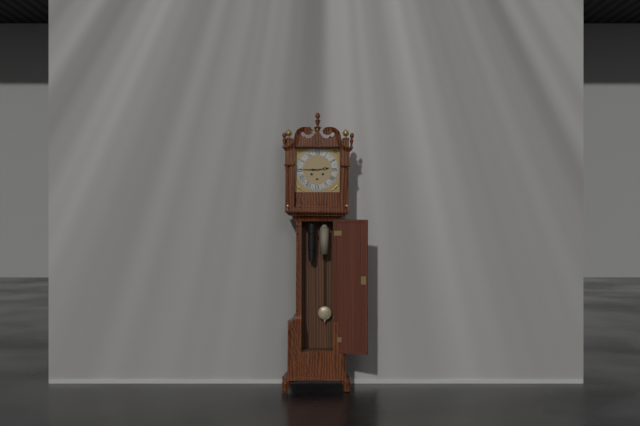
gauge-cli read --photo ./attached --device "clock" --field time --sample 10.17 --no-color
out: 2.45
